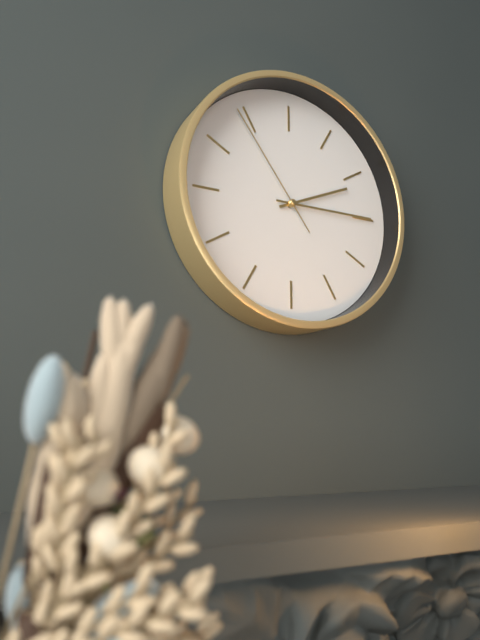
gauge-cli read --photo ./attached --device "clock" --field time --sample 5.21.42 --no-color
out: 2.15.54
